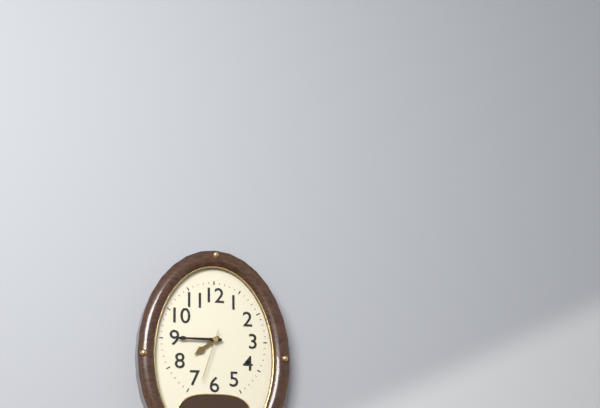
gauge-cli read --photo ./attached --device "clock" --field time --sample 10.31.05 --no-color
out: 7.45.33
